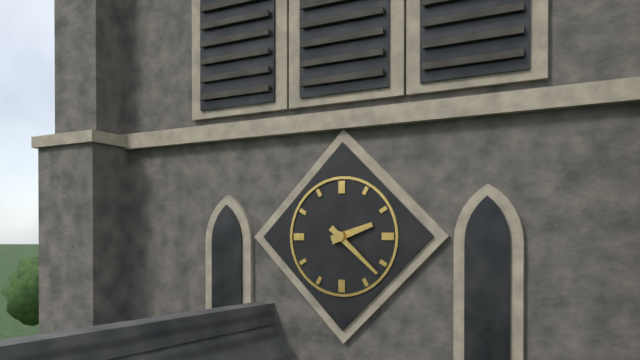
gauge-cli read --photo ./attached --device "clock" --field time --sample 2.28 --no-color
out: 2.22
